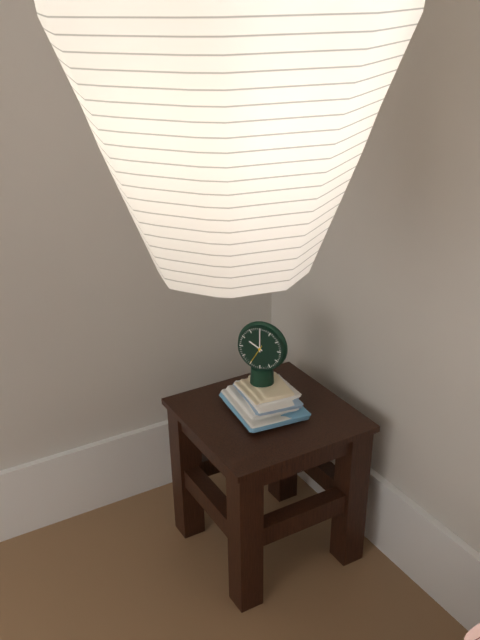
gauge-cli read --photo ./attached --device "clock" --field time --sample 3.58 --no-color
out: 10.00
